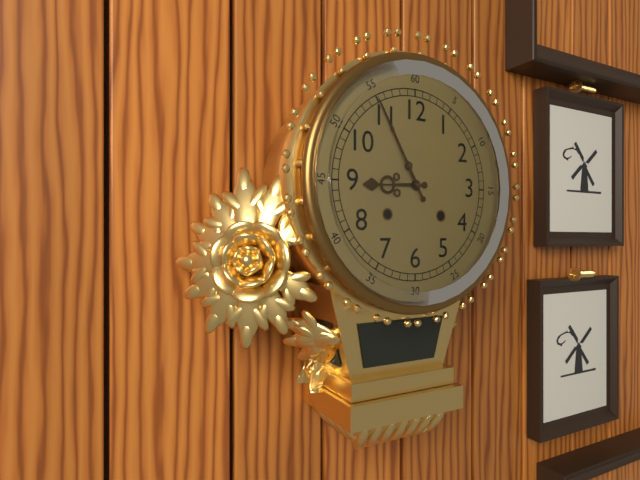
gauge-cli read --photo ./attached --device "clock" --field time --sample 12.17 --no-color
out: 8.55
